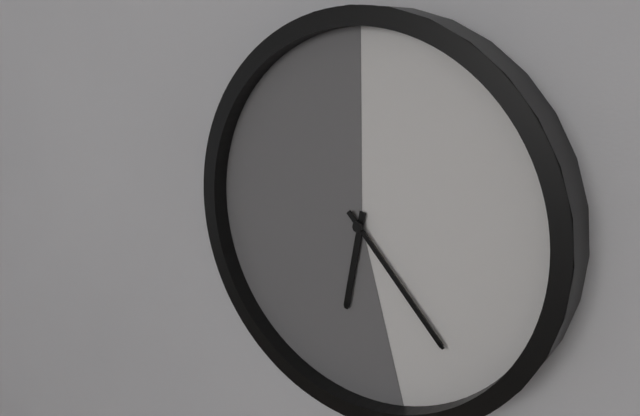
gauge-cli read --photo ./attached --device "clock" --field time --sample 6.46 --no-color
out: 6.23
